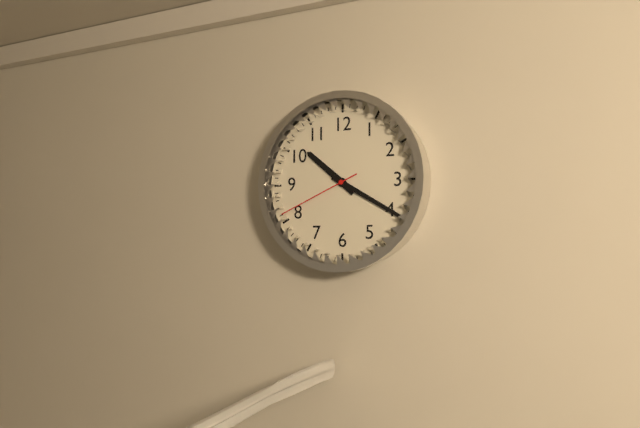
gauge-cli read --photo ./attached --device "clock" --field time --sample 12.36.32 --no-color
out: 10.20.41
